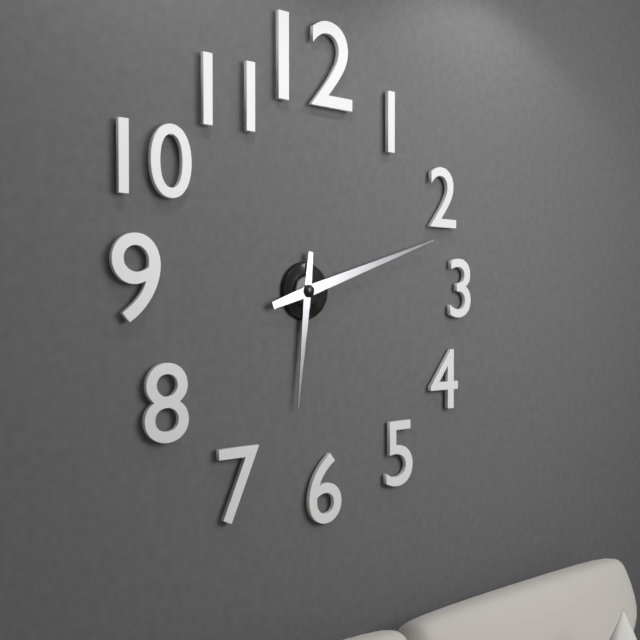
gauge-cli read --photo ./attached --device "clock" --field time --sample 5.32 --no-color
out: 6.12
